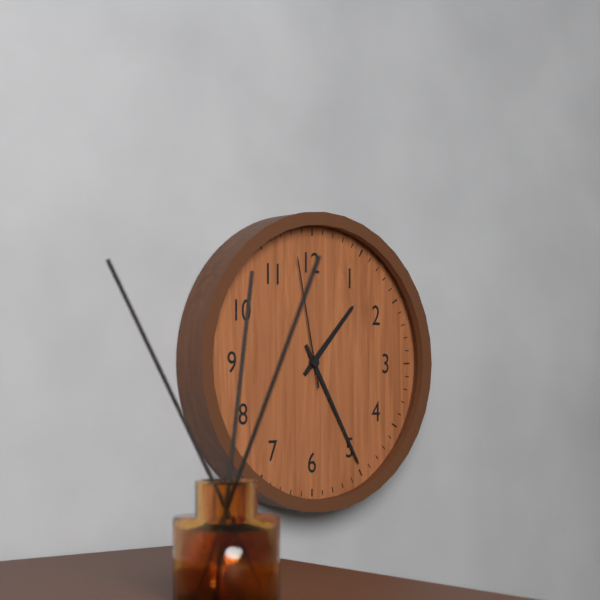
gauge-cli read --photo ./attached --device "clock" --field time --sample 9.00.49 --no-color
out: 1.25.58
